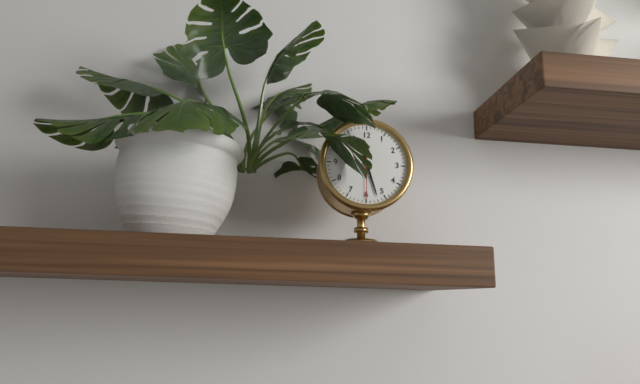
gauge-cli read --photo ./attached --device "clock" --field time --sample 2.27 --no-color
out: 11.27
